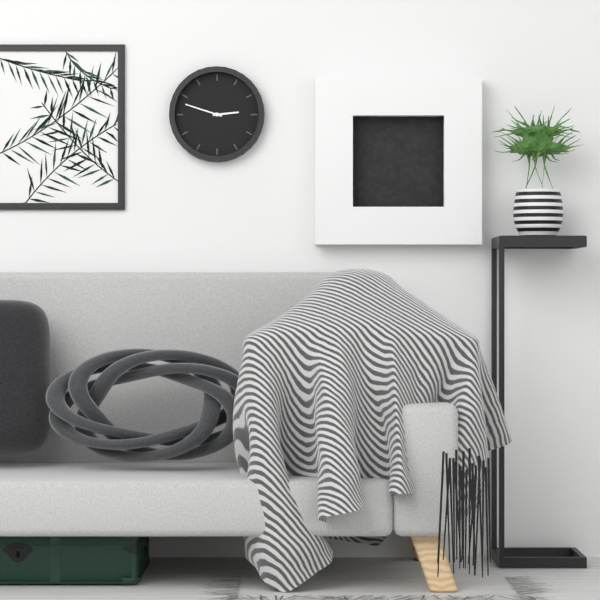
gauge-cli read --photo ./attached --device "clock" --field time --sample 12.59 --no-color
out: 2.48
